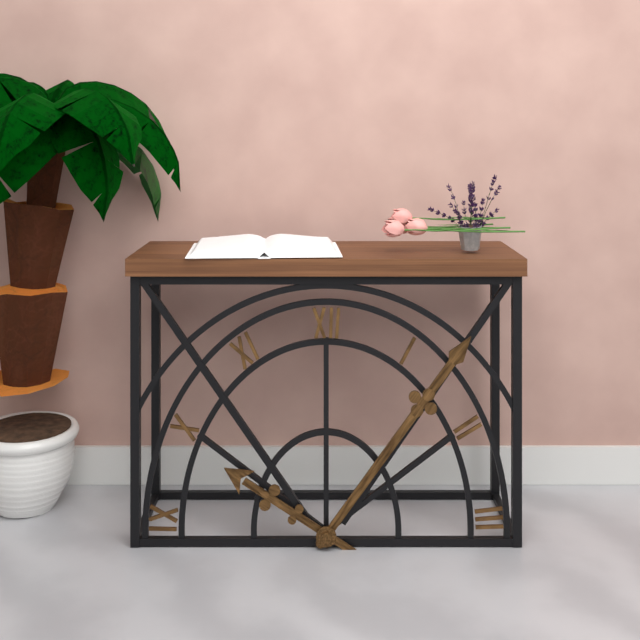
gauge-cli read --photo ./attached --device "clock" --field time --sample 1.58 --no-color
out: 10.06
